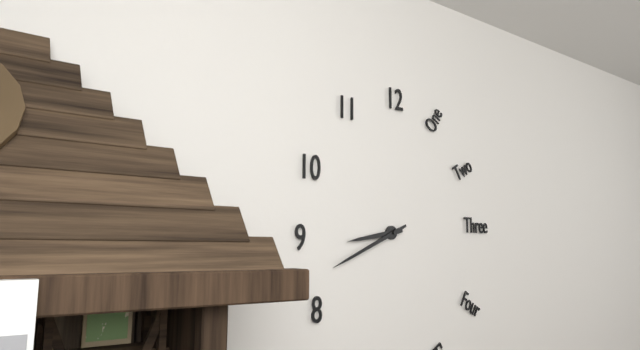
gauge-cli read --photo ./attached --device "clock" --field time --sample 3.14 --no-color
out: 8.41
